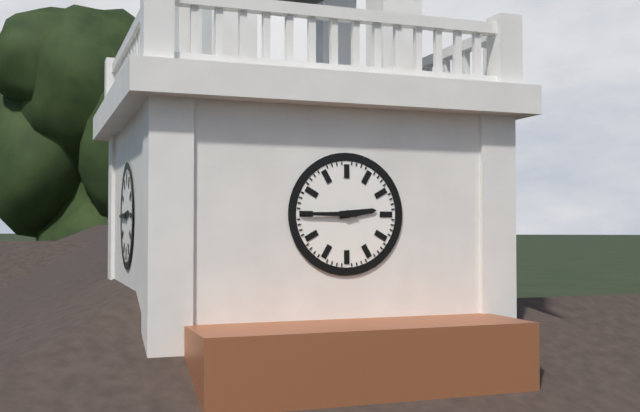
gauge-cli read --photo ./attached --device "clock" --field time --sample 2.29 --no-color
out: 2.45
